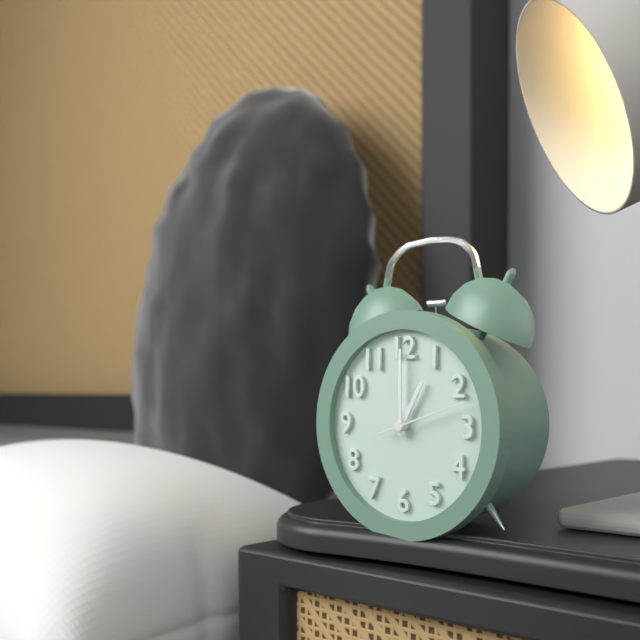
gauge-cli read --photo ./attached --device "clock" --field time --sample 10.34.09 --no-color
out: 1.00.12
